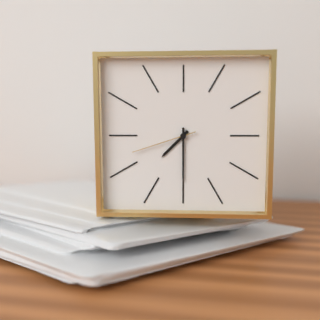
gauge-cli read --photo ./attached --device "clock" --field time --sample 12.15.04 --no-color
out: 7.30.42
